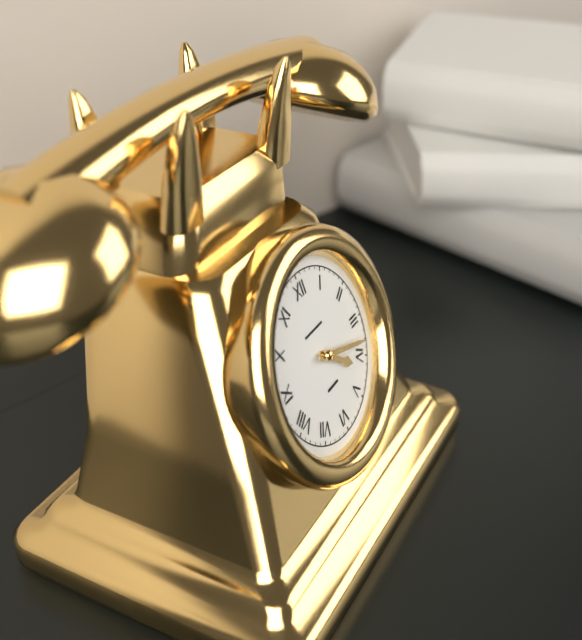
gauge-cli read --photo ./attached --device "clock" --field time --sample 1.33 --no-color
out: 4.18
